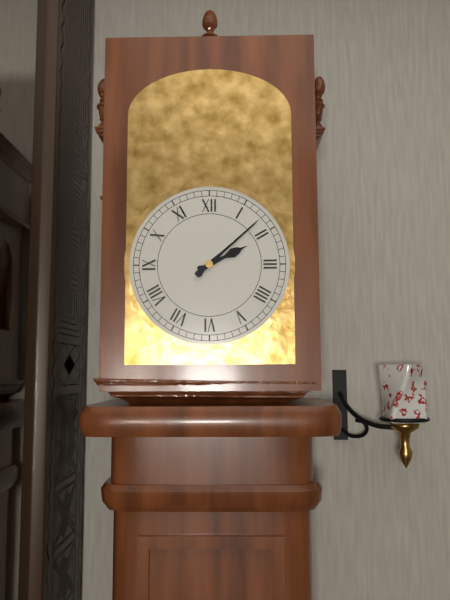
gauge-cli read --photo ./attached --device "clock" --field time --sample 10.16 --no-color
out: 2.08
